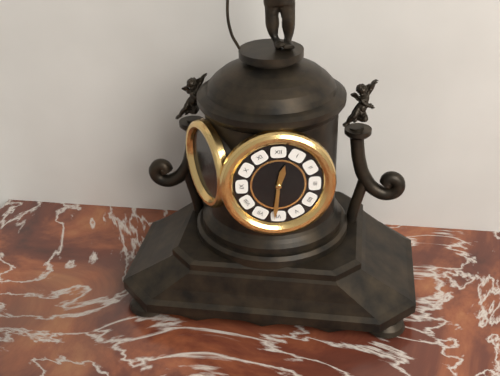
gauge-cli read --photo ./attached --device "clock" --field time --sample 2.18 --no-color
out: 12.31
